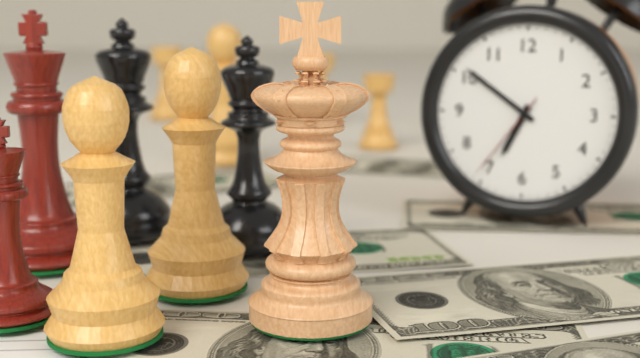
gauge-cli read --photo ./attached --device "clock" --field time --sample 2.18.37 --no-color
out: 6.51.36
